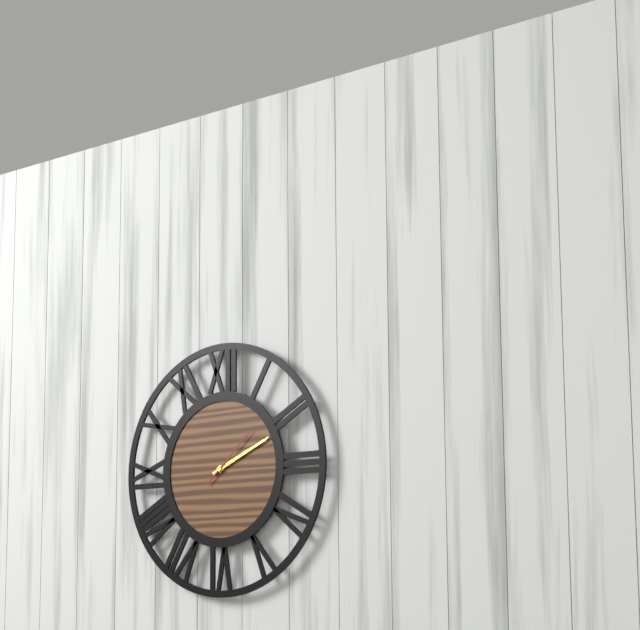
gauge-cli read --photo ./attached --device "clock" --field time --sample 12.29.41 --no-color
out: 2.11.08
